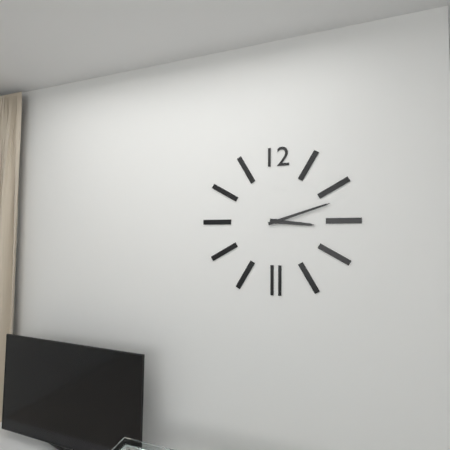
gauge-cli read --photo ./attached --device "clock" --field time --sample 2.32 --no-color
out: 3.12
